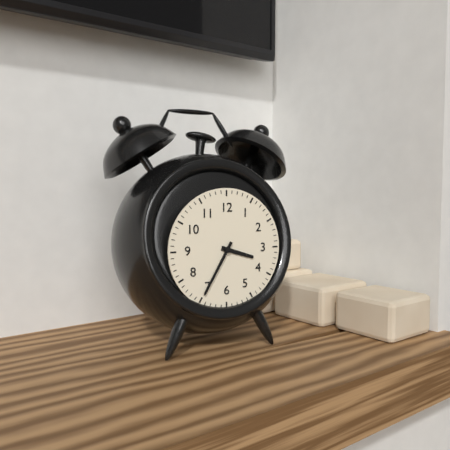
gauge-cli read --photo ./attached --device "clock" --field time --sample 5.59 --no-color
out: 3.35
